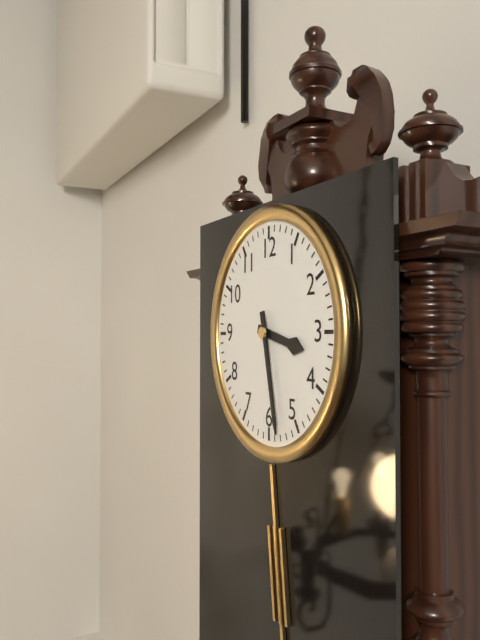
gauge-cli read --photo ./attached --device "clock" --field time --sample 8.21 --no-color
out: 3.28
